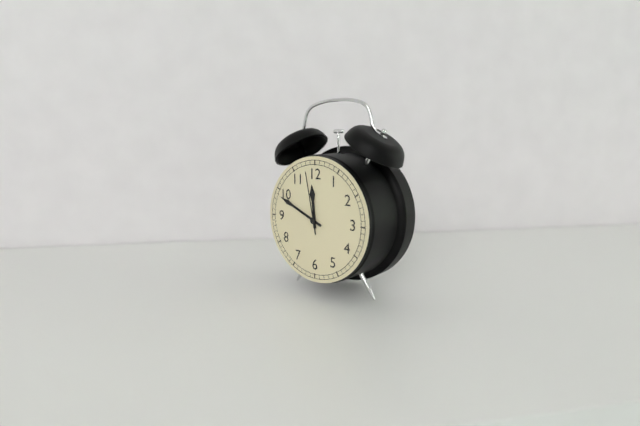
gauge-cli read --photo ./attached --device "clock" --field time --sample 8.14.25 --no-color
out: 11.49.58
